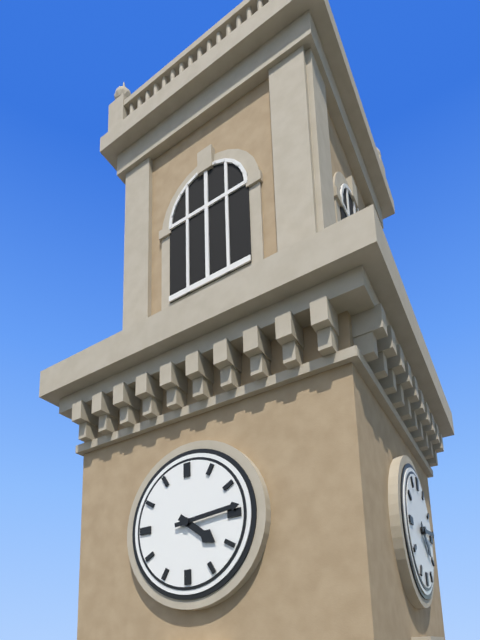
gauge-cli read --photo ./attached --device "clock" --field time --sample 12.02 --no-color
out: 4.14
